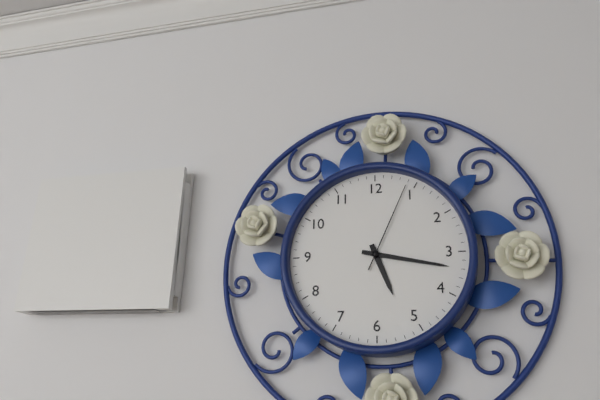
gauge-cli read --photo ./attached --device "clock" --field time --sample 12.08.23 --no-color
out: 5.17.04
